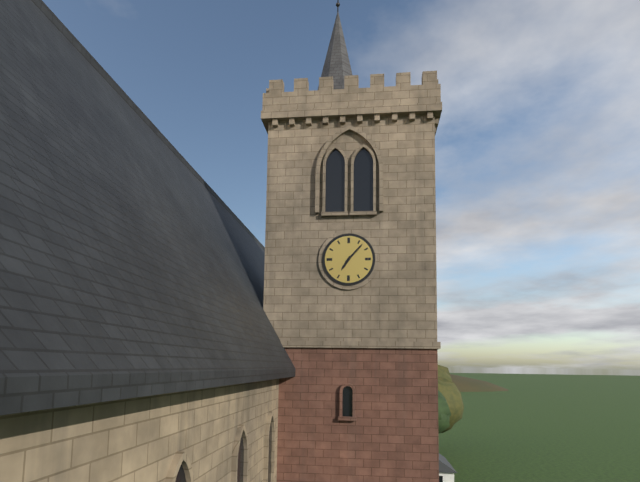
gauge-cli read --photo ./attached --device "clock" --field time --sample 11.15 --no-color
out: 7.07
